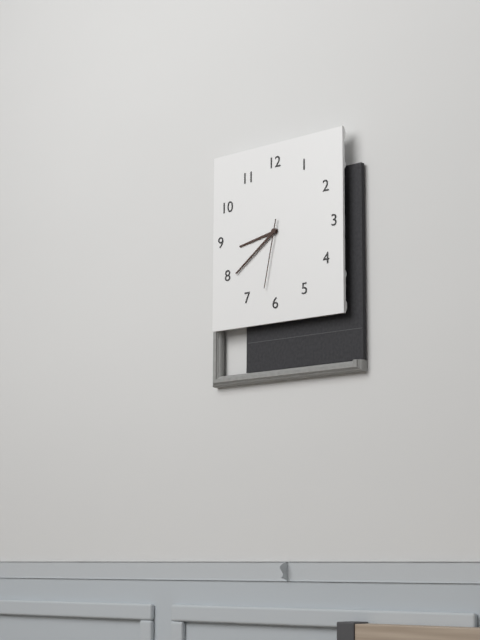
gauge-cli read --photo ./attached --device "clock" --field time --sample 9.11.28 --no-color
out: 8.39.32
